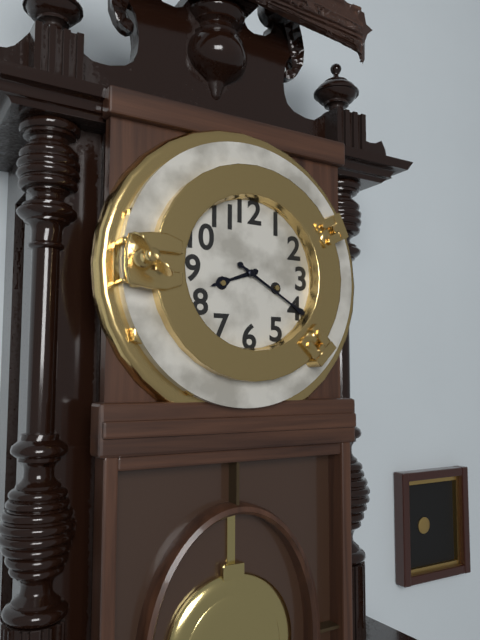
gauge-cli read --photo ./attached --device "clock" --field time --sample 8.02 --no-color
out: 8.20
